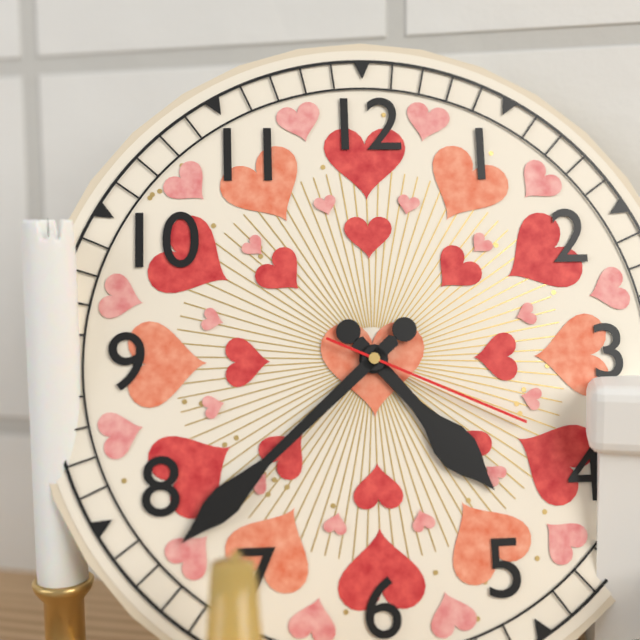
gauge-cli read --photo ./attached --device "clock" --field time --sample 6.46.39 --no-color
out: 4.38.19
